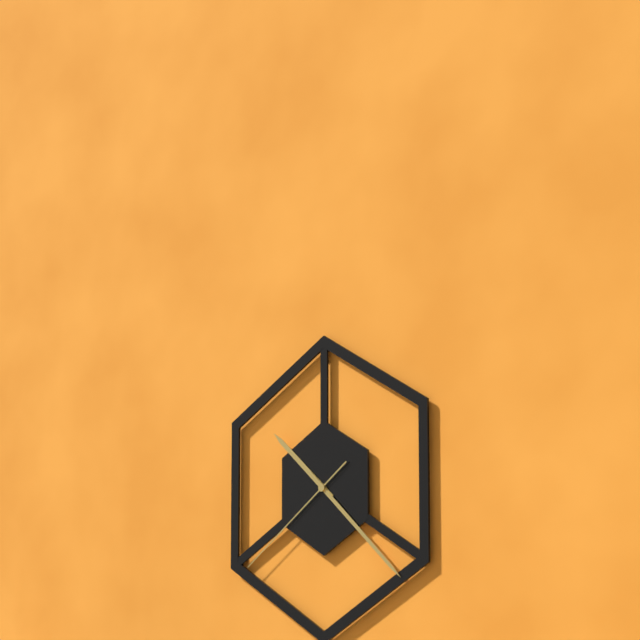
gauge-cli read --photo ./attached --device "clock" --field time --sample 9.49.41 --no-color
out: 10.22.39
